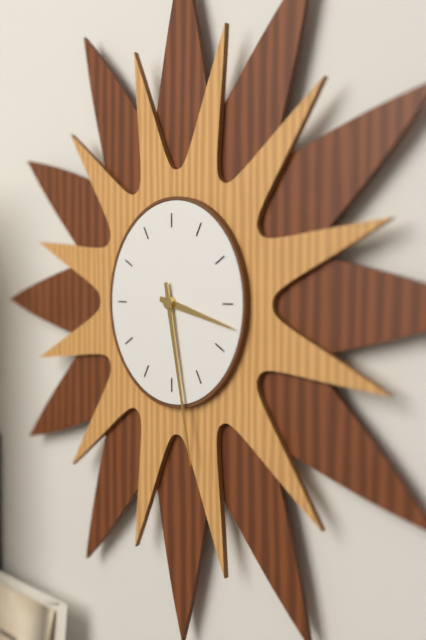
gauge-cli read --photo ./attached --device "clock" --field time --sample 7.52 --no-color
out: 3.28
